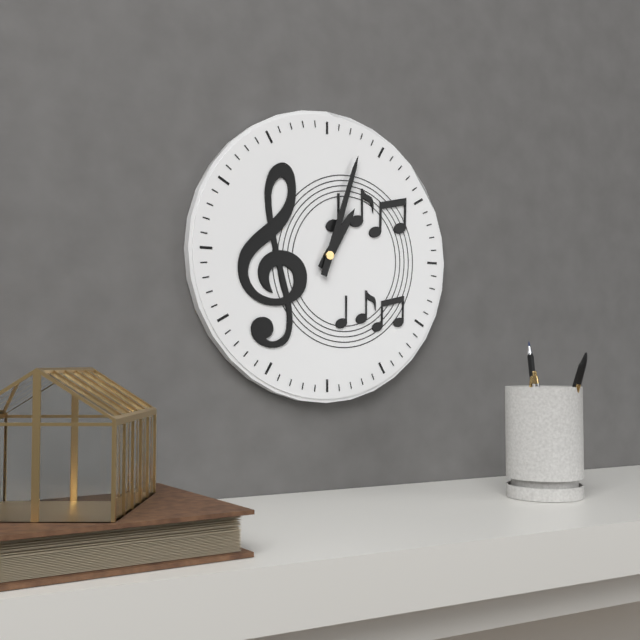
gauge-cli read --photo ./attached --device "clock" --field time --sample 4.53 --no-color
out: 1.03
